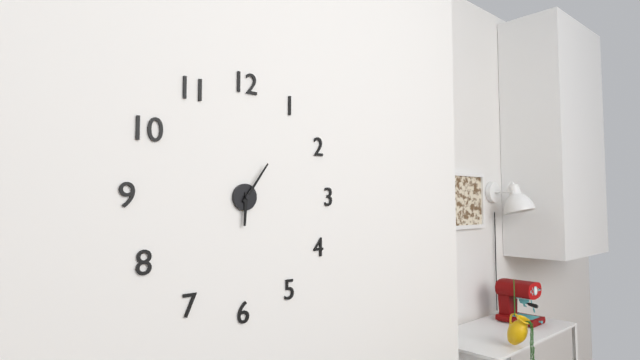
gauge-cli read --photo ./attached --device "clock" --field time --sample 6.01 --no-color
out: 6.06
